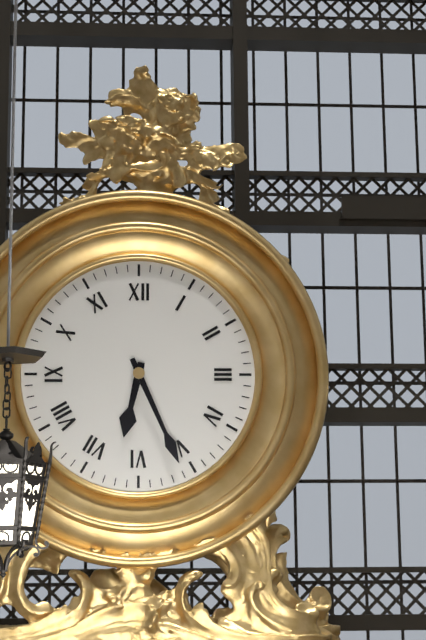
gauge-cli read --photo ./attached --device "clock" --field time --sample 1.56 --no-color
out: 6.26
